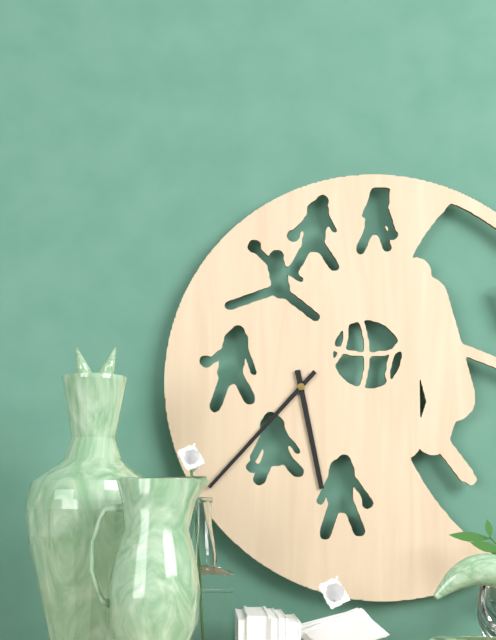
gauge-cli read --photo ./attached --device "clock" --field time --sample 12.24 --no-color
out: 5.37
